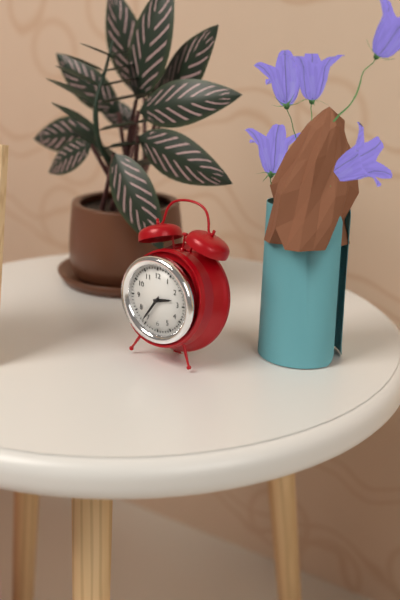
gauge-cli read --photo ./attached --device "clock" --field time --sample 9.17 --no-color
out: 2.36
